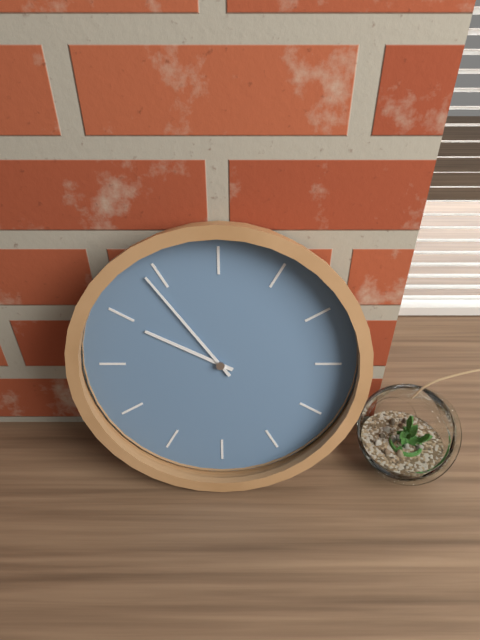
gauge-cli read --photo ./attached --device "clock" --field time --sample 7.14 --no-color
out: 9.54
